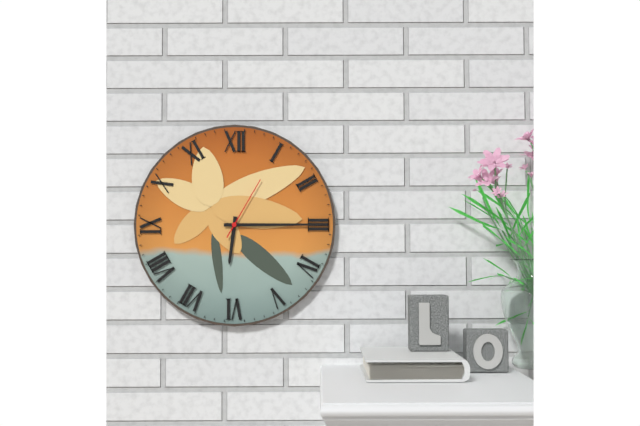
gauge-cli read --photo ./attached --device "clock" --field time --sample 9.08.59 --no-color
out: 6.15.05
